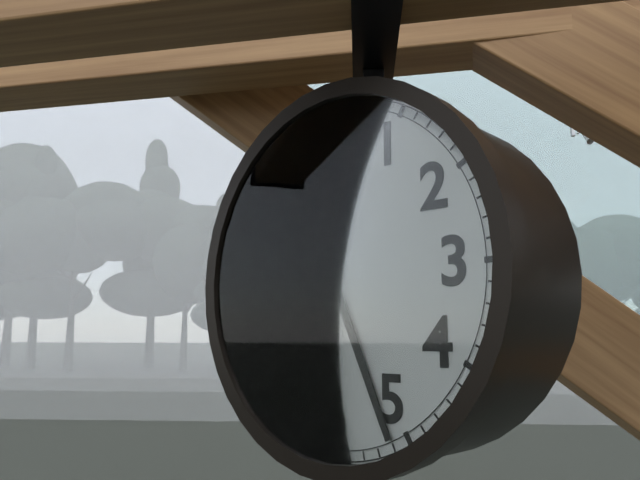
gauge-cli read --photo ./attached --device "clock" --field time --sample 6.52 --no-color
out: 12.26
